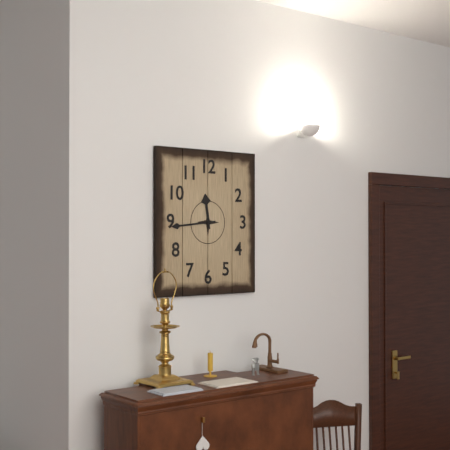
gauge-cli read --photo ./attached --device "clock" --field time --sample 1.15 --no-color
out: 11.44
